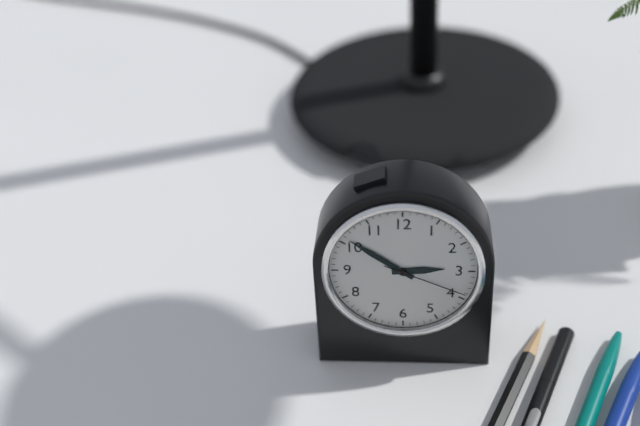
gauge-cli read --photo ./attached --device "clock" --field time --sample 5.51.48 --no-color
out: 2.51.19
